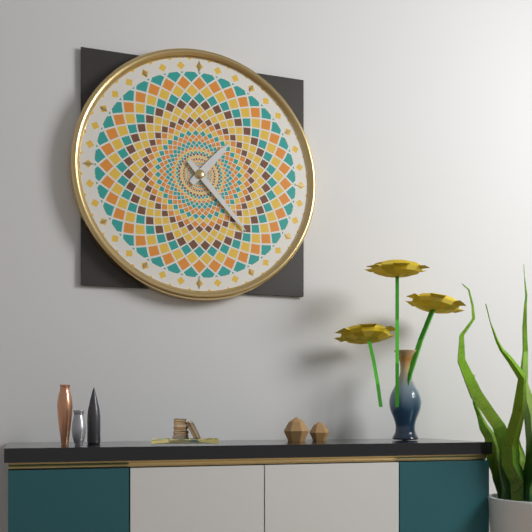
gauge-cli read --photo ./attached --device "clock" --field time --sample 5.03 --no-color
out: 1.23
